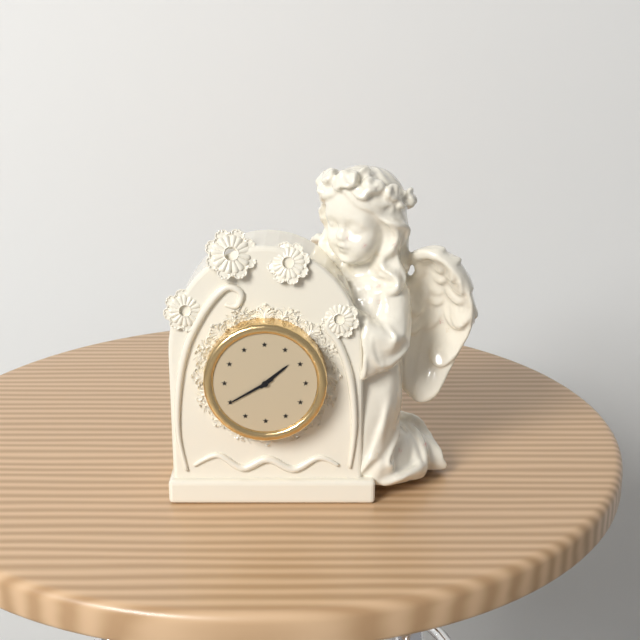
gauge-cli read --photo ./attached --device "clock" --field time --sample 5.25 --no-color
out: 1.40
